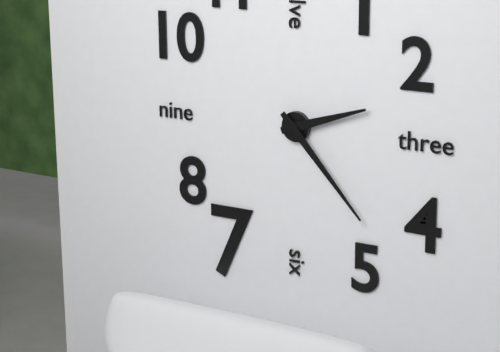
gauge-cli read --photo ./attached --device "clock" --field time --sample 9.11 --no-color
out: 2.23
